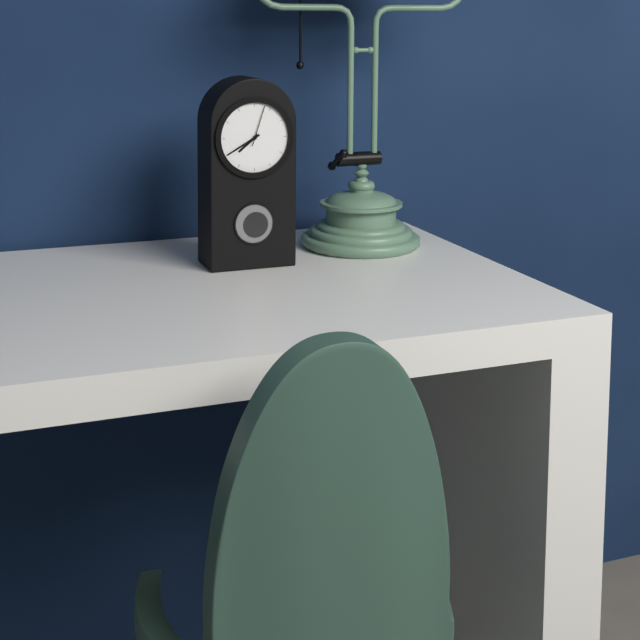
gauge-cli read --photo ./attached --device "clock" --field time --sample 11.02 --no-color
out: 7.40
